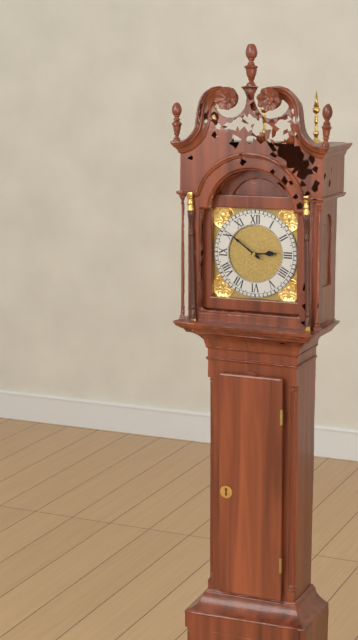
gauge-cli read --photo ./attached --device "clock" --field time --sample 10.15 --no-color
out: 2.51
